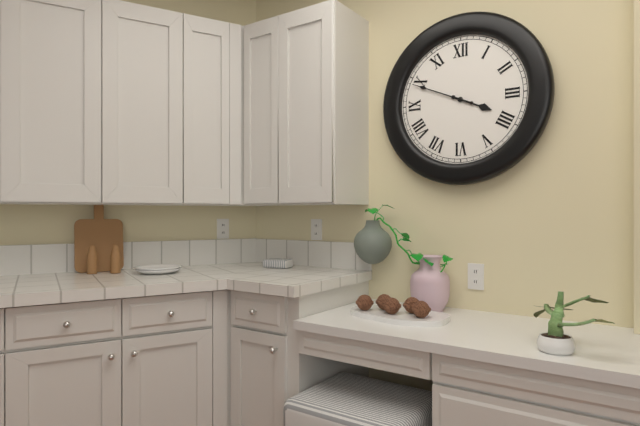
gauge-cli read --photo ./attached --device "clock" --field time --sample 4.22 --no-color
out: 3.49
